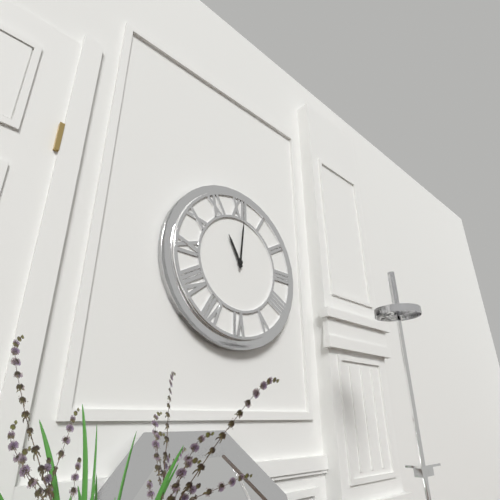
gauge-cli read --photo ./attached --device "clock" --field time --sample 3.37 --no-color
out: 11.01
